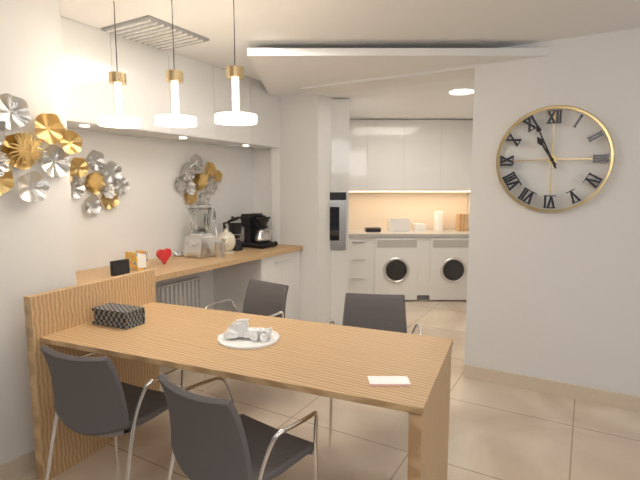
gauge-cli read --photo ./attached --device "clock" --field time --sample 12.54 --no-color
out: 10.56
